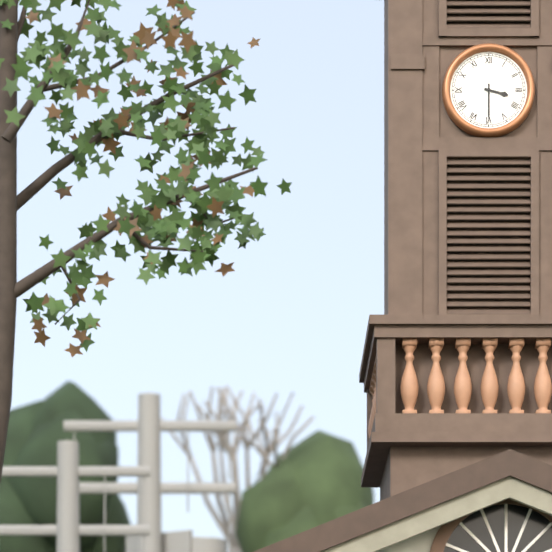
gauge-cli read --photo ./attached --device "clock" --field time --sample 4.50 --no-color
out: 3.30
